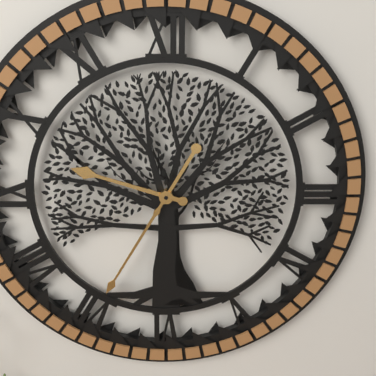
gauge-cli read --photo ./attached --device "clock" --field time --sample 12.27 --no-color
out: 9.35
